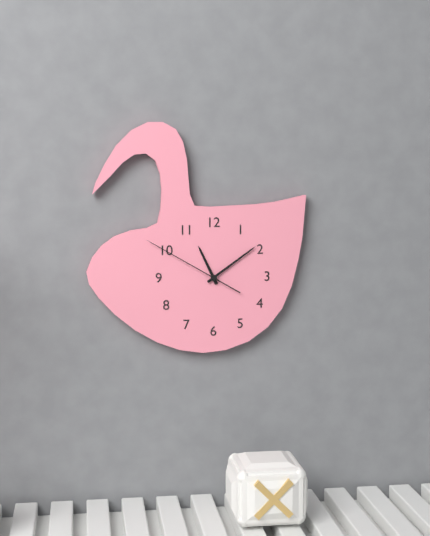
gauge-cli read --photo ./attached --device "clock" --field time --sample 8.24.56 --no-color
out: 11.09.50
